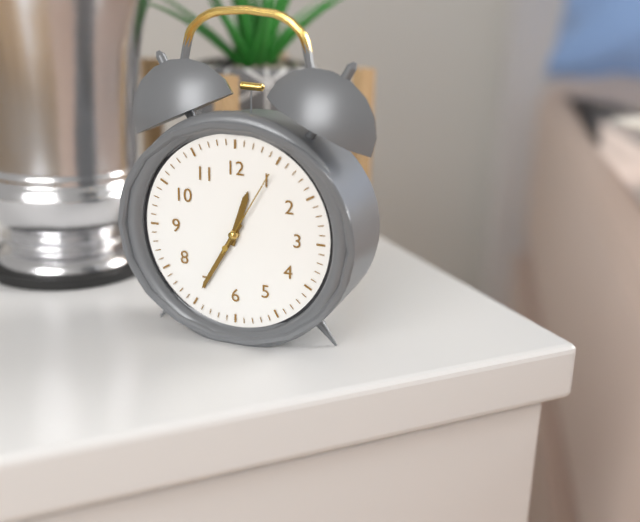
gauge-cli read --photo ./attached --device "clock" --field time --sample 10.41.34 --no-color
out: 12.35.05
